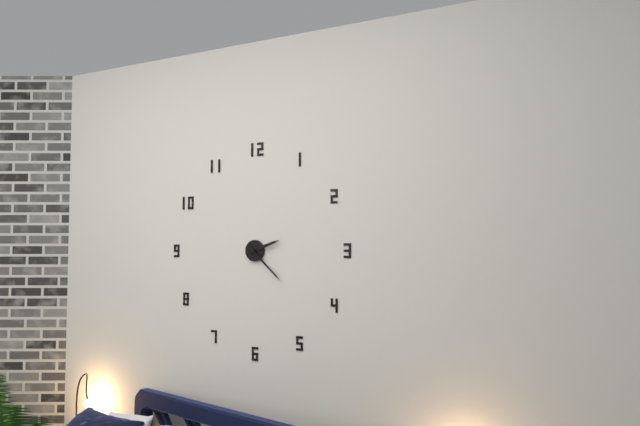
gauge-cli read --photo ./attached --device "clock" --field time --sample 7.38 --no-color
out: 2.22
